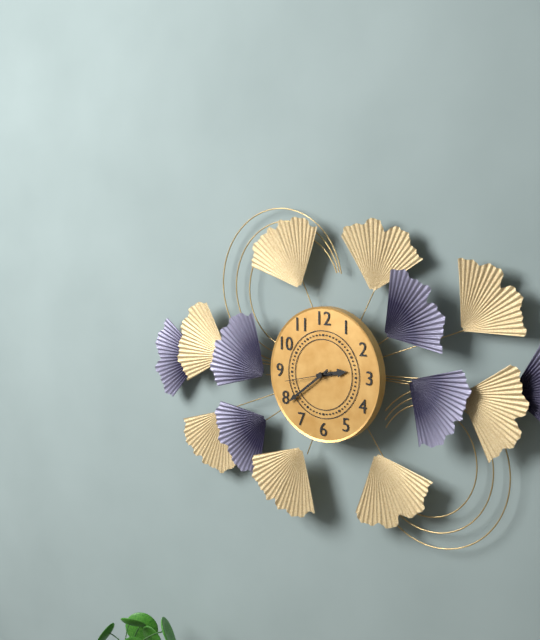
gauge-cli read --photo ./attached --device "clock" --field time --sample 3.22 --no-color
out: 2.39
